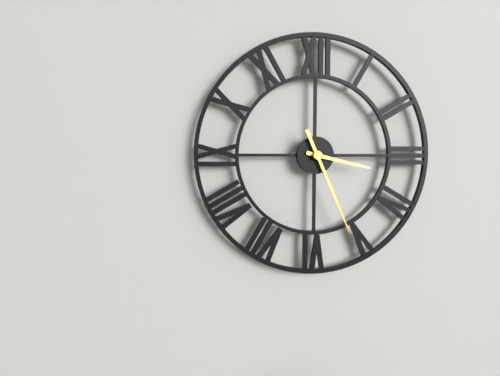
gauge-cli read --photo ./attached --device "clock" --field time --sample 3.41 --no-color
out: 3.26
